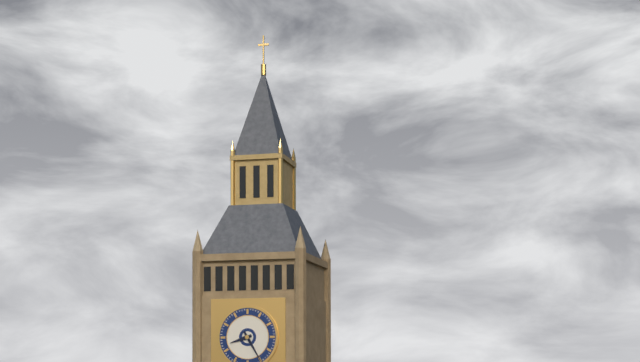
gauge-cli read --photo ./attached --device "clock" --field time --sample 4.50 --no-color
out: 8.25
